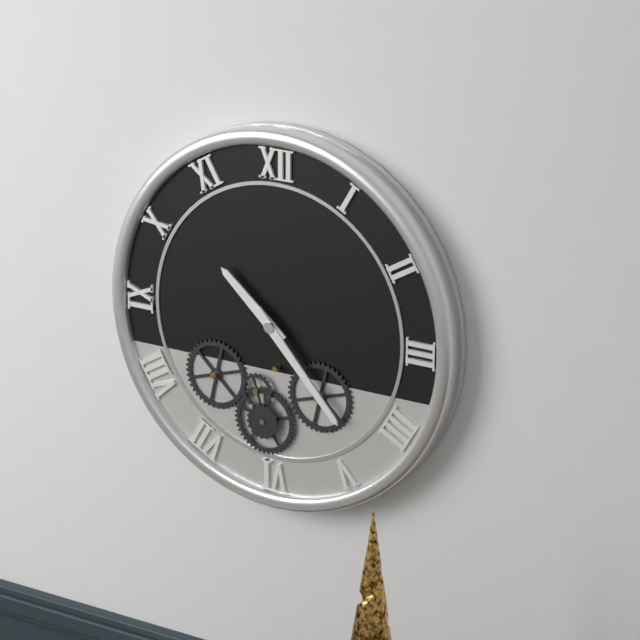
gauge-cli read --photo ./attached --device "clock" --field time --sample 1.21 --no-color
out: 10.23
